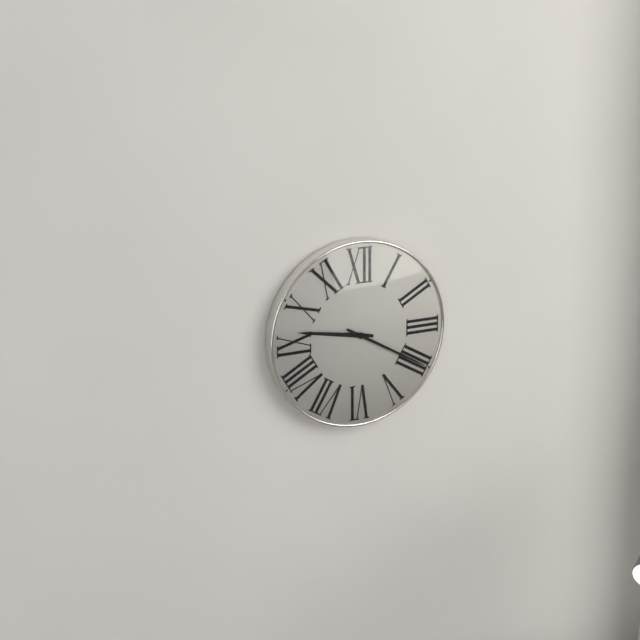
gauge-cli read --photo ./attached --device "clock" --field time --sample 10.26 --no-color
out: 9.20
